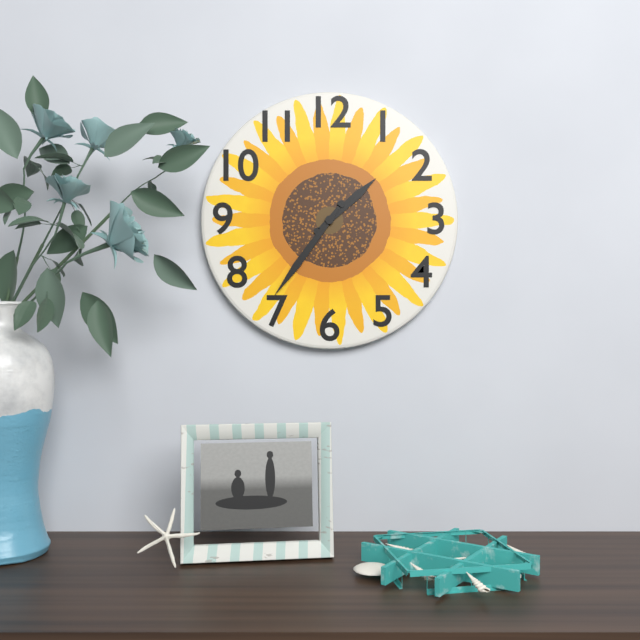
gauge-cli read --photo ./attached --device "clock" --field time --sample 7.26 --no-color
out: 1.36
